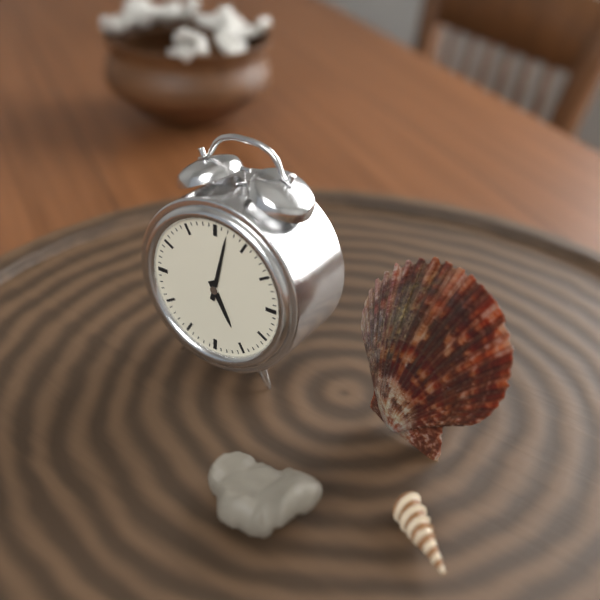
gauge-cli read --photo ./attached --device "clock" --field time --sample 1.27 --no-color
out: 5.02
